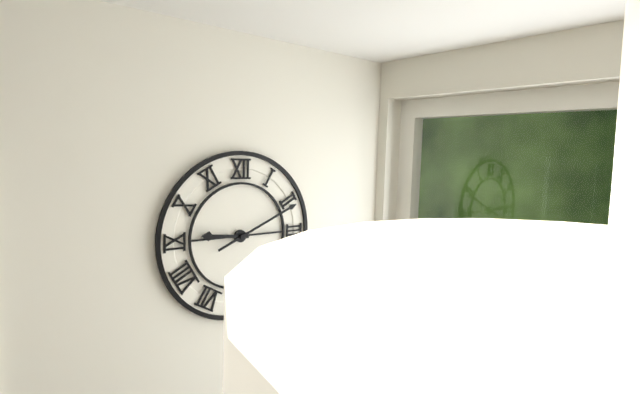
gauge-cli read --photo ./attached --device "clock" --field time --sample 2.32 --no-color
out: 9.11
